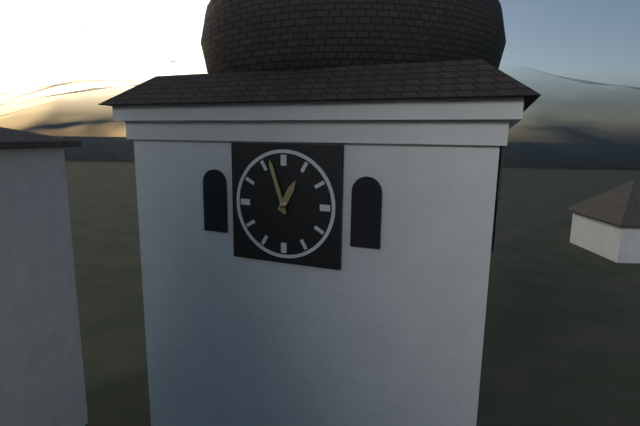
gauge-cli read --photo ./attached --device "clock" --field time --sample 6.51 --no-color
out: 12.57
